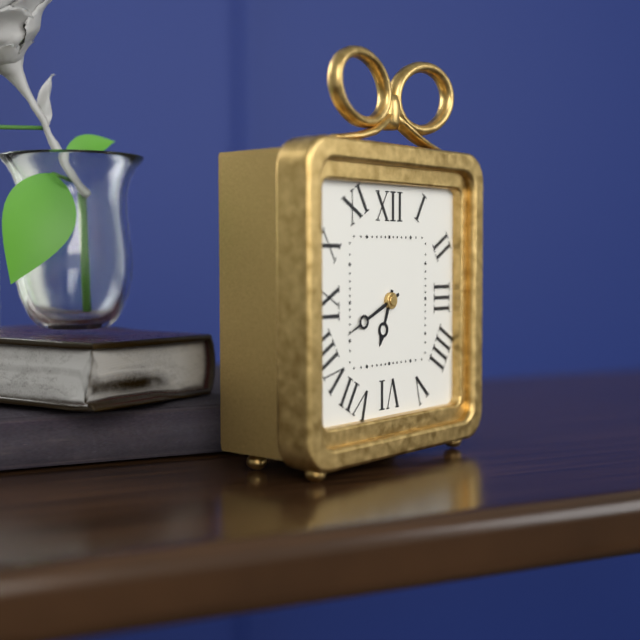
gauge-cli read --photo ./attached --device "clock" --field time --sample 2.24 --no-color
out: 6.41
